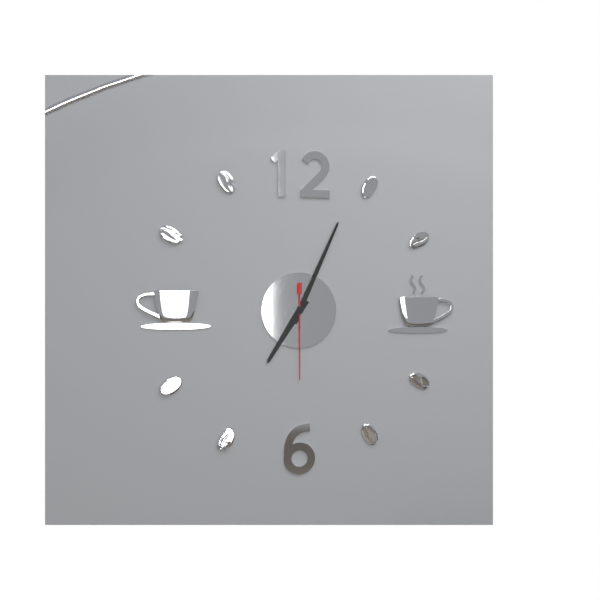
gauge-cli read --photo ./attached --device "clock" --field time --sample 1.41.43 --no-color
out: 7.04.30
